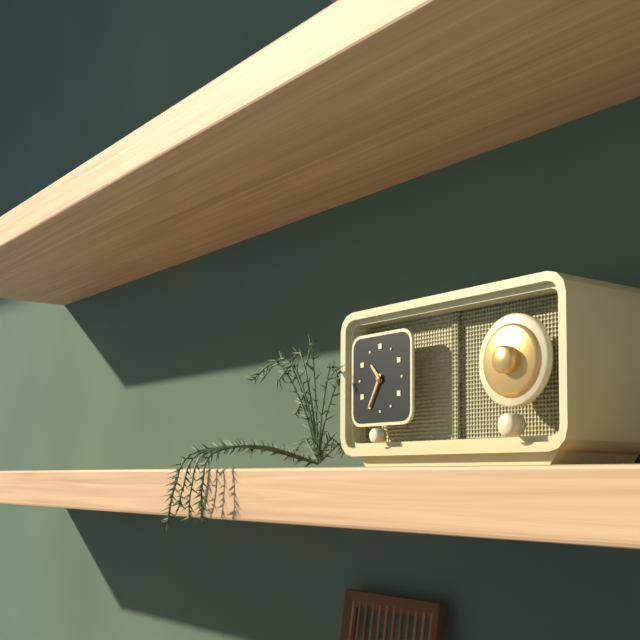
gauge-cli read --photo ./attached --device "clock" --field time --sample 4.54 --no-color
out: 10.35
